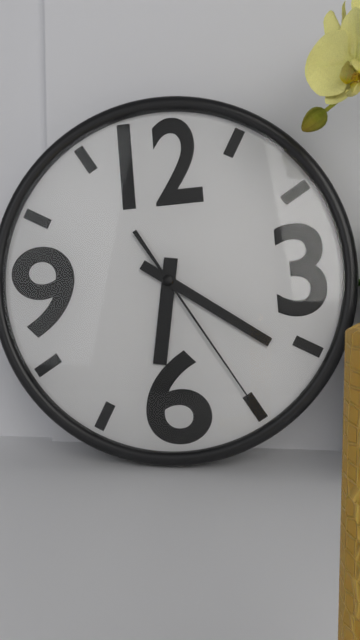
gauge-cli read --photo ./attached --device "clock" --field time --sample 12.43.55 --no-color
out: 6.21.25
